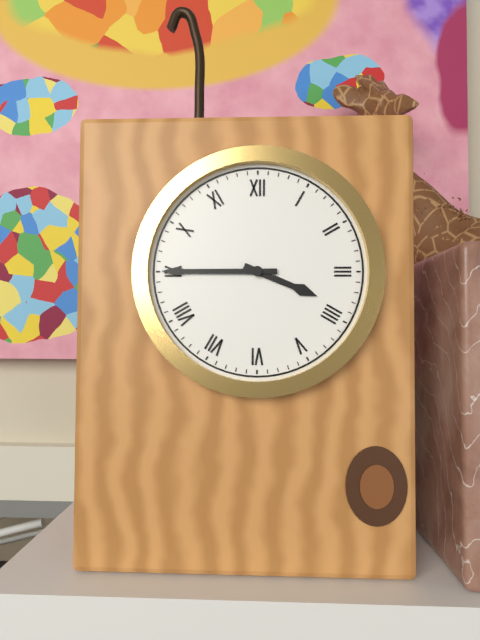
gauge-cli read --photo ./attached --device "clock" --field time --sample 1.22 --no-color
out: 3.45
